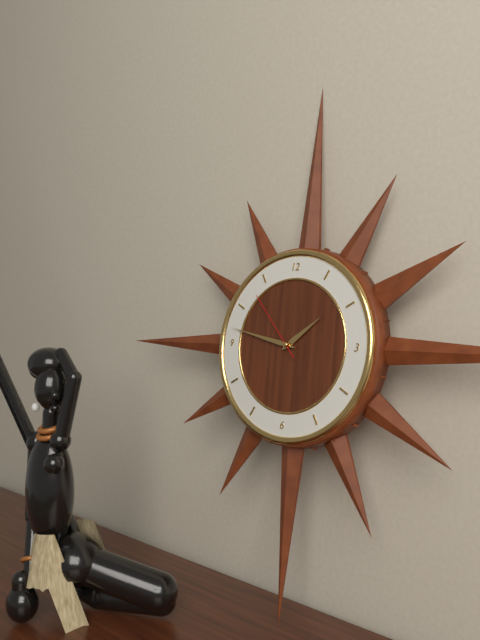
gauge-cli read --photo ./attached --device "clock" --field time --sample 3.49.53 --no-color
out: 1.47.53
